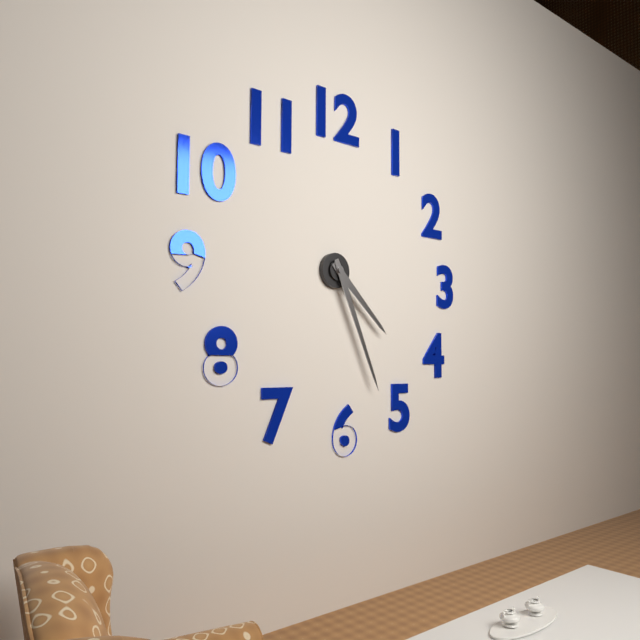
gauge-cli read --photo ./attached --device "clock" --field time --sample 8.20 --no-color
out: 4.26
